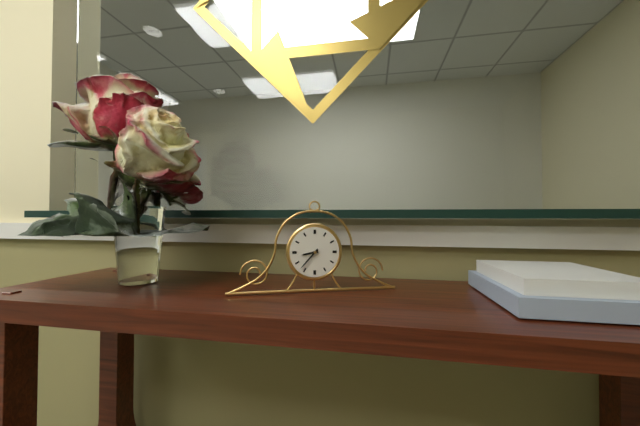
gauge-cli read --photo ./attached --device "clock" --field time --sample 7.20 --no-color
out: 8.37
